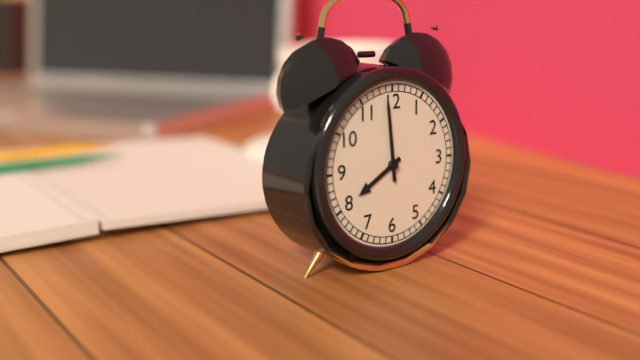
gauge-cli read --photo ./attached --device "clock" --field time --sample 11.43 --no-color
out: 7.59
